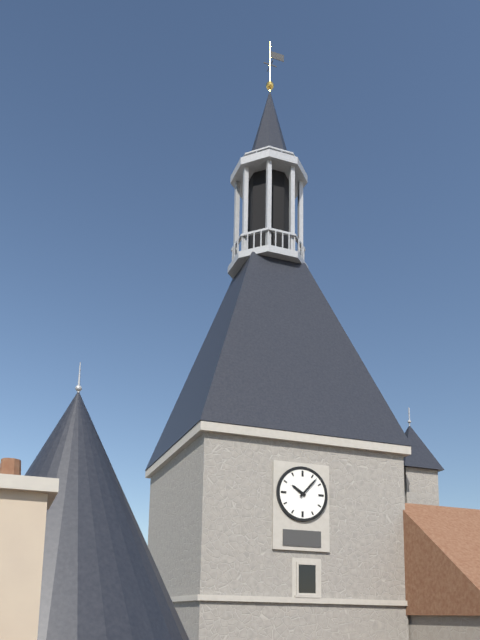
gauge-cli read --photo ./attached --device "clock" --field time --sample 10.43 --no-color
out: 10.07
